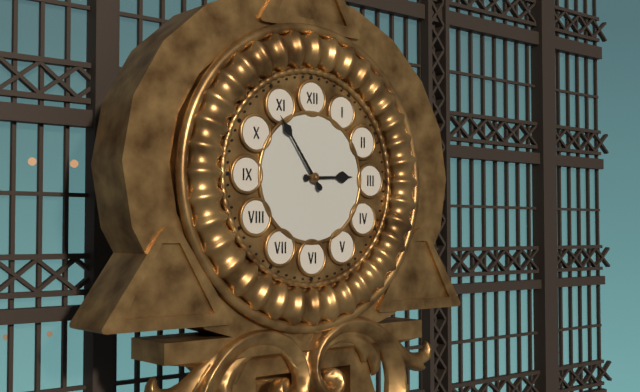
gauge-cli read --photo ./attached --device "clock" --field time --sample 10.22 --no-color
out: 2.54
